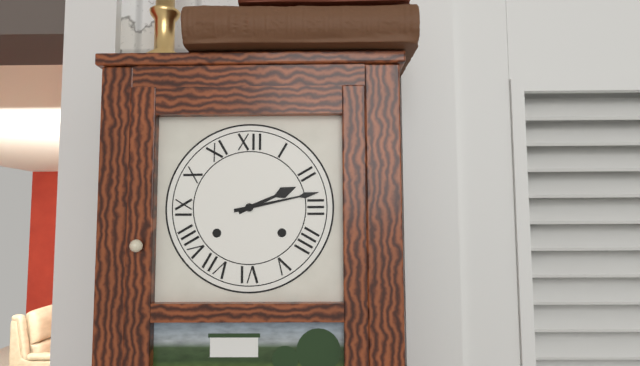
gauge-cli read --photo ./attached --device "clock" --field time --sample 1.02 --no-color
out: 2.13
